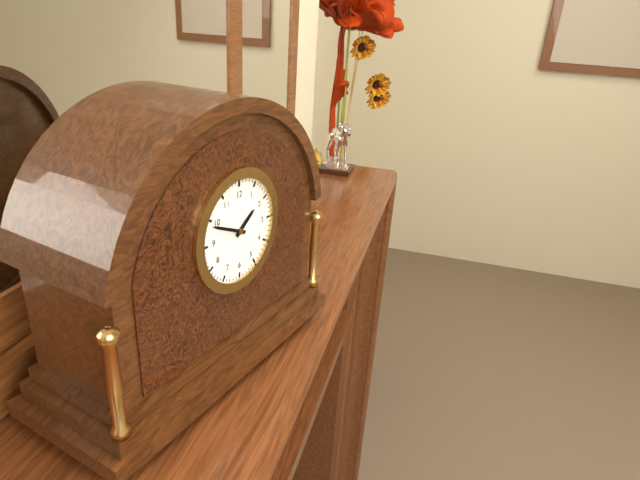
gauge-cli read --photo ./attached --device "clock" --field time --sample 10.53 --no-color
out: 1.49
